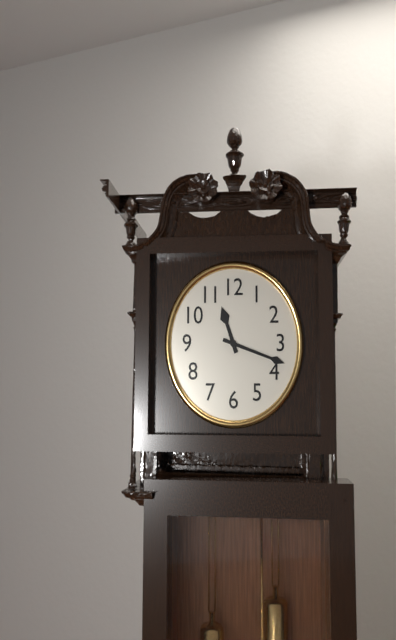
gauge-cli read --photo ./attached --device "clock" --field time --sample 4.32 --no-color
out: 11.18
